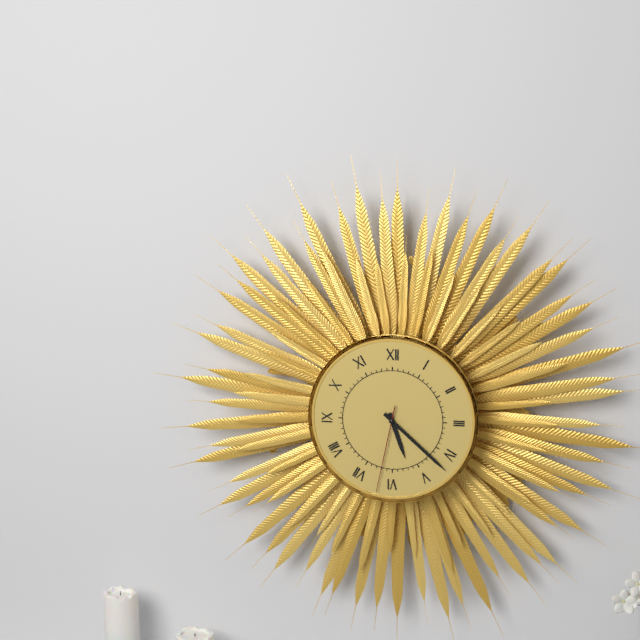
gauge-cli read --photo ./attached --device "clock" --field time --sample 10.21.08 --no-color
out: 5.22.32
